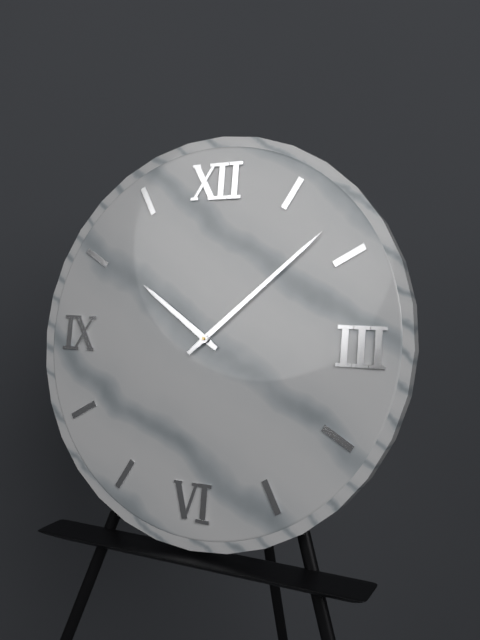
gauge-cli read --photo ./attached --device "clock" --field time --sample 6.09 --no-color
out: 10.08
